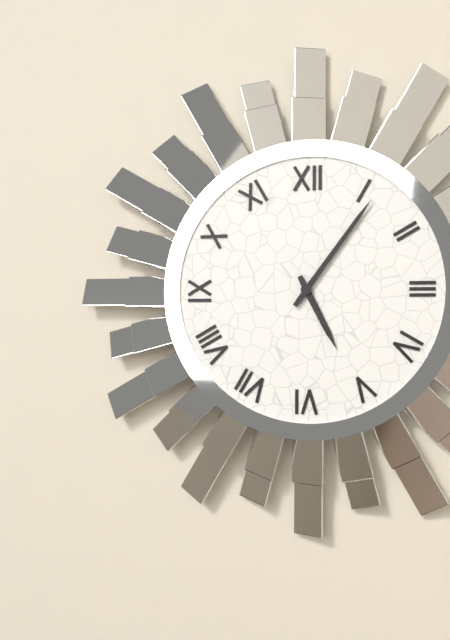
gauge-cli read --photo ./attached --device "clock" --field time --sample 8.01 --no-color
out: 5.06
